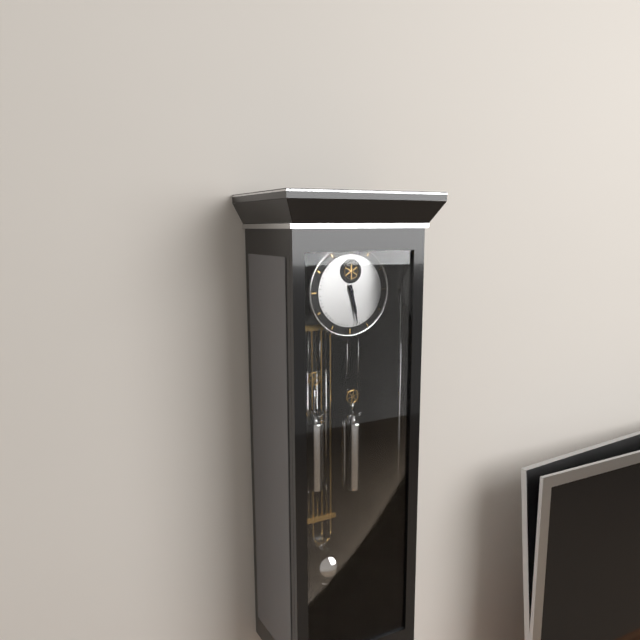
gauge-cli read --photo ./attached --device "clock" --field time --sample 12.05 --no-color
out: 5.28
